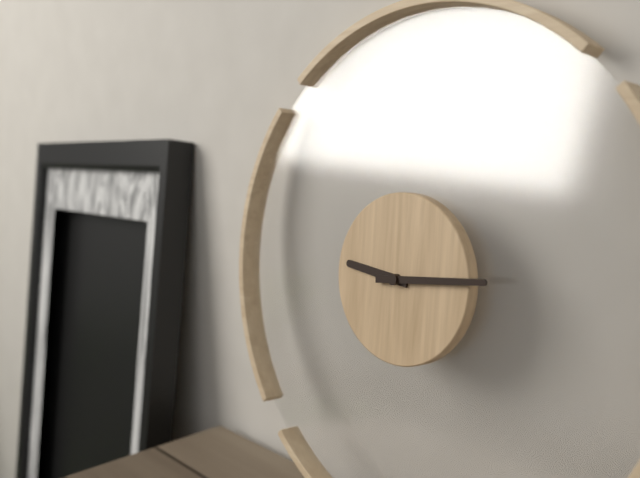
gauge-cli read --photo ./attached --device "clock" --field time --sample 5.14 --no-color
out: 9.14
